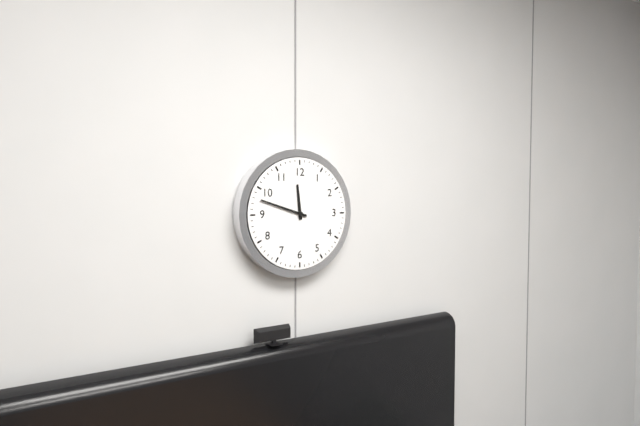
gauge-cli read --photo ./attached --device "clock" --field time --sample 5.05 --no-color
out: 11.48
